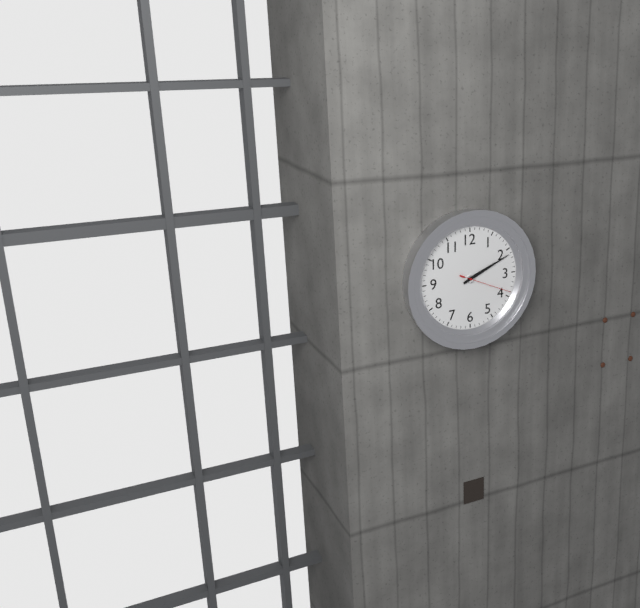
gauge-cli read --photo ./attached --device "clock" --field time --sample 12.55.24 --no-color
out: 2.11.19
